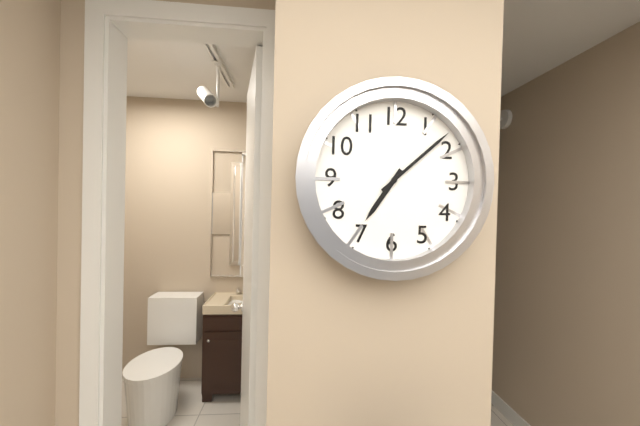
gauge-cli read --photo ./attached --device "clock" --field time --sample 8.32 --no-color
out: 7.08
